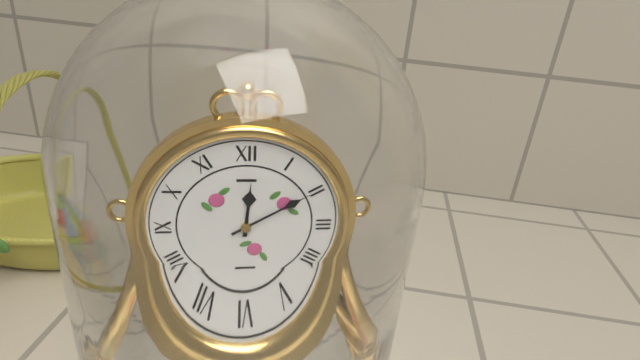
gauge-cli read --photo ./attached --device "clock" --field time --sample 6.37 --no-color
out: 12.10
